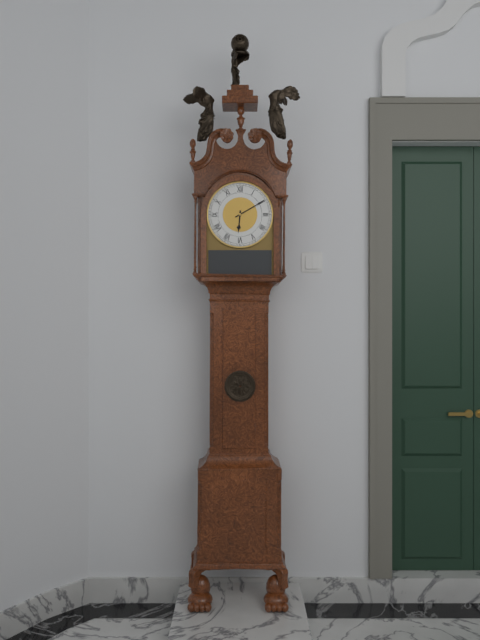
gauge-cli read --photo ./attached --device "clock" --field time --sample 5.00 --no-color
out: 6.10
